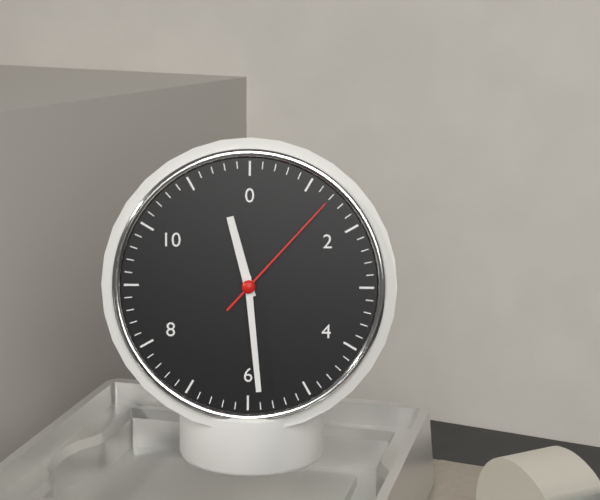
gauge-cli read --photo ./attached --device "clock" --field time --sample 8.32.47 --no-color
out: 11.29.07
